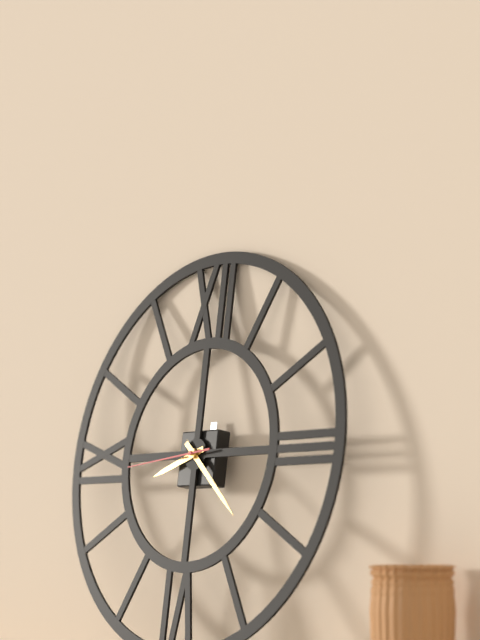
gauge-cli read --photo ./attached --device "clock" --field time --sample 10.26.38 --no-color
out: 8.22.44
